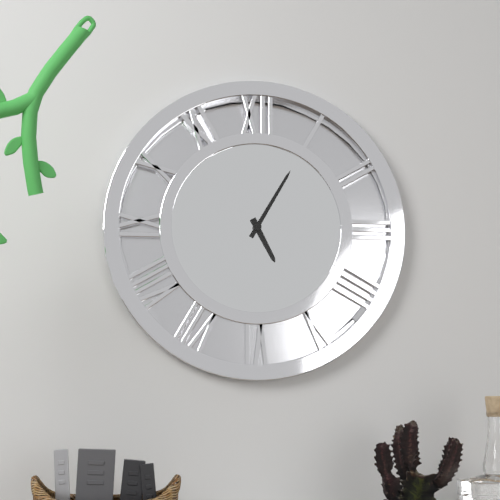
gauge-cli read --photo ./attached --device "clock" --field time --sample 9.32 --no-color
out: 5.05
